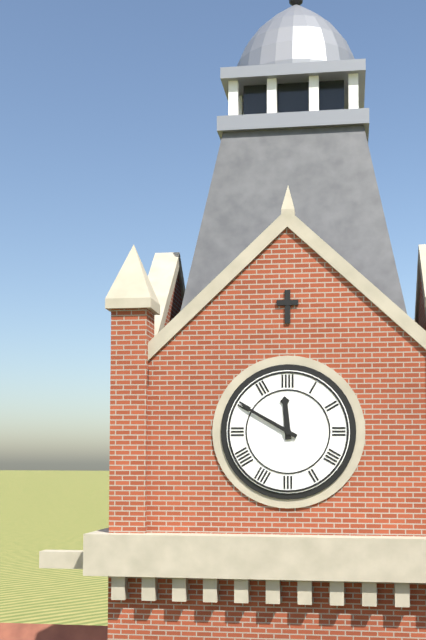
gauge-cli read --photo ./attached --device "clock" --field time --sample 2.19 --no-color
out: 11.50
